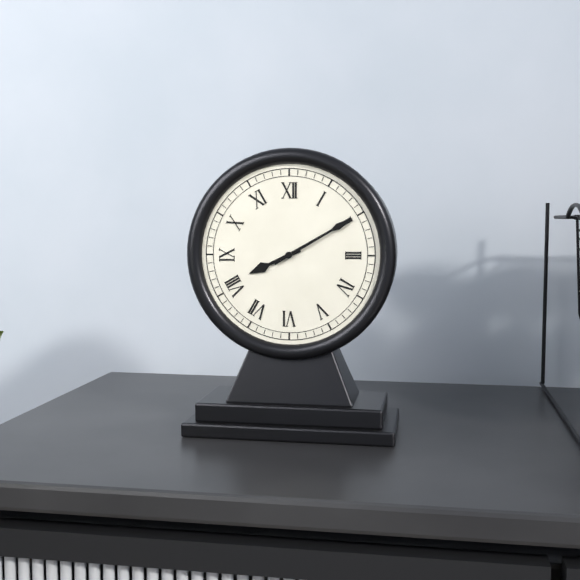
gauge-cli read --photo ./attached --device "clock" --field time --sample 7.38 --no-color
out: 8.10
